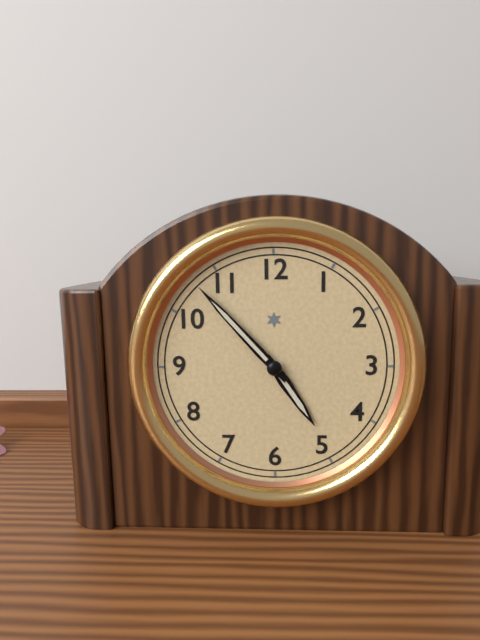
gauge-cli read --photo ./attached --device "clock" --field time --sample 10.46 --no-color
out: 4.53
